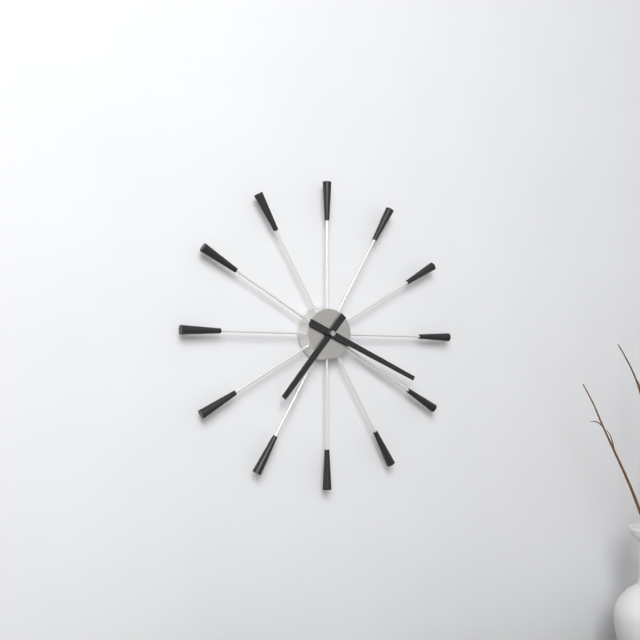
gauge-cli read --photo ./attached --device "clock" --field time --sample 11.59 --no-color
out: 7.19
